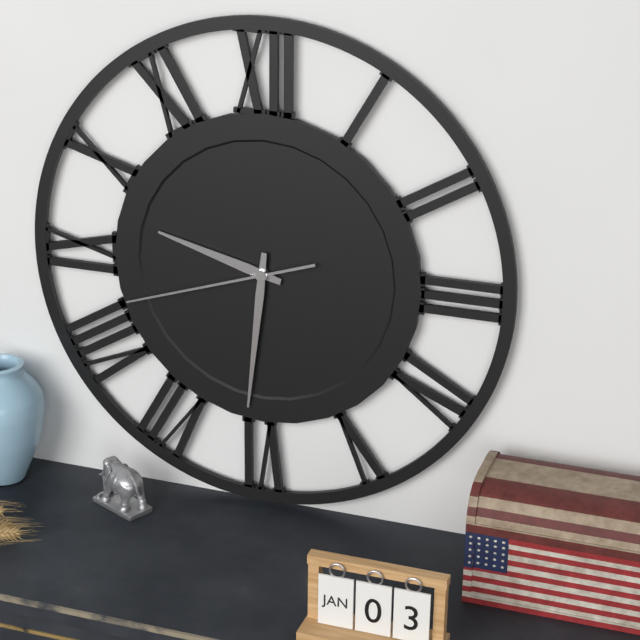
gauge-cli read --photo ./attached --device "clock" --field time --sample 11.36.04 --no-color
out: 9.31.42
